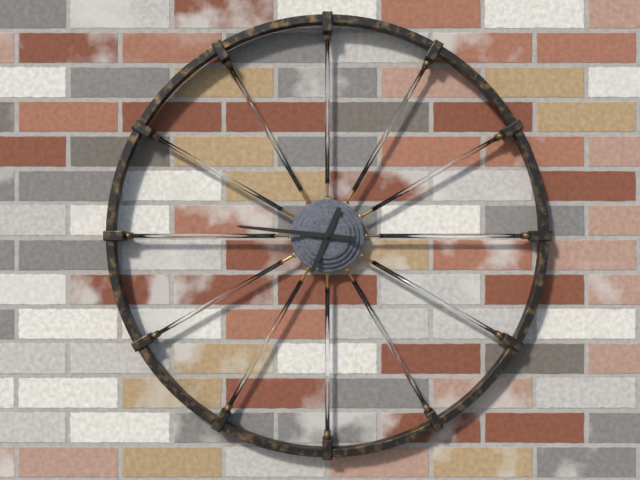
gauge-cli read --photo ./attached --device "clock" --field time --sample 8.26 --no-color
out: 6.46
